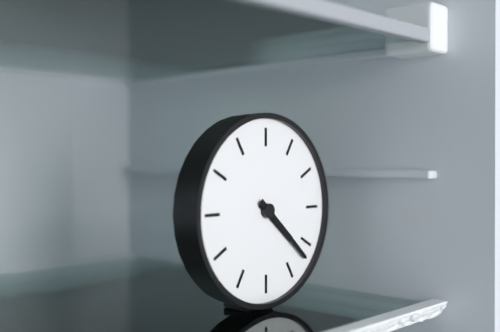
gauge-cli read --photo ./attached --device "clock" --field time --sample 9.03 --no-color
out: 4.22
